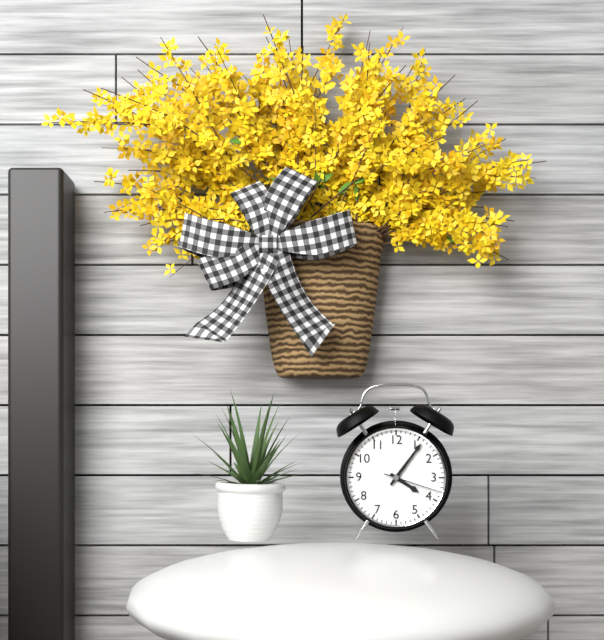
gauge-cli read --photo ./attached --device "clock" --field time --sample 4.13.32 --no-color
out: 4.06.18
